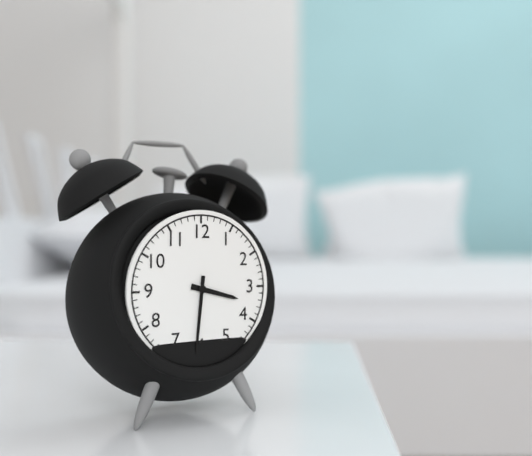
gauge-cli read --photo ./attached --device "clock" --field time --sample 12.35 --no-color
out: 3.31
